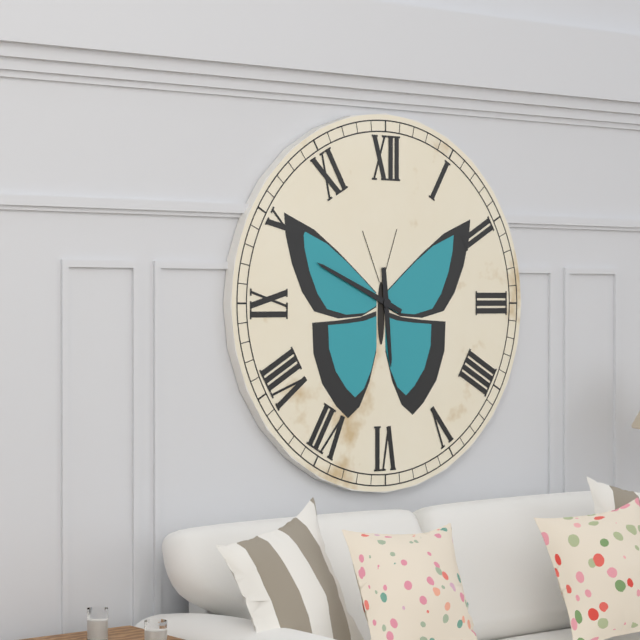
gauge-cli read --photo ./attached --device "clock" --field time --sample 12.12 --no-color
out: 5.49
